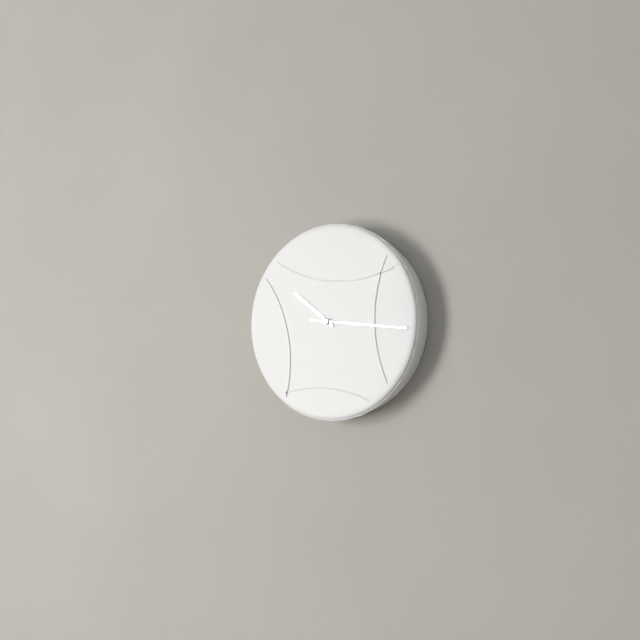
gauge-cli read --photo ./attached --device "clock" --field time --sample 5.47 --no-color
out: 10.16
